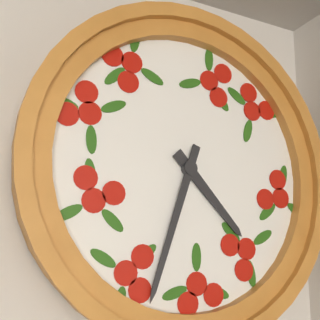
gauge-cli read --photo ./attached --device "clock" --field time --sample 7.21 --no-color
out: 4.33
